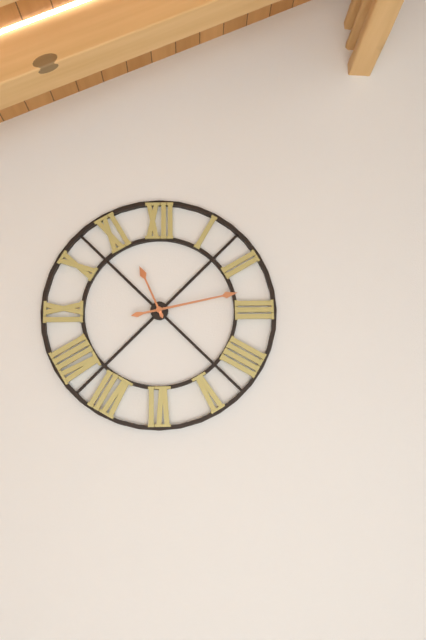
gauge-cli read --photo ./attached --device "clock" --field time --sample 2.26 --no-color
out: 11.13
